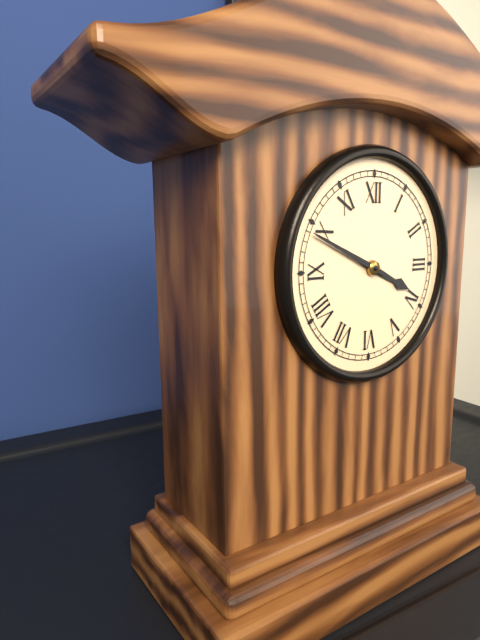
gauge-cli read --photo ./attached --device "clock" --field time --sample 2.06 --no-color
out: 3.49
